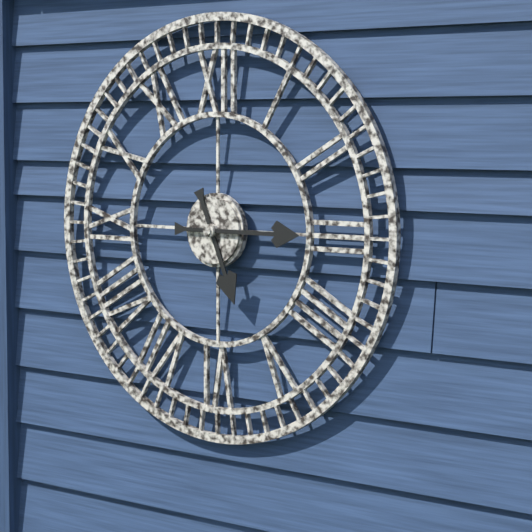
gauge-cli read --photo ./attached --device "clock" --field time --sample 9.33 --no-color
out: 5.15
